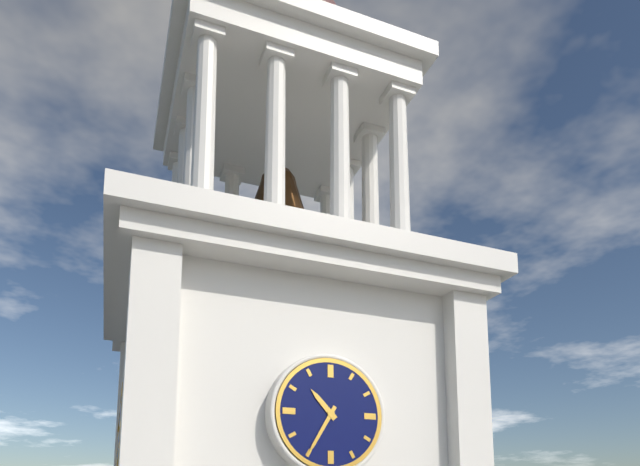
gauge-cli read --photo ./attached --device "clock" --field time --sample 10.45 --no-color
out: 10.35
